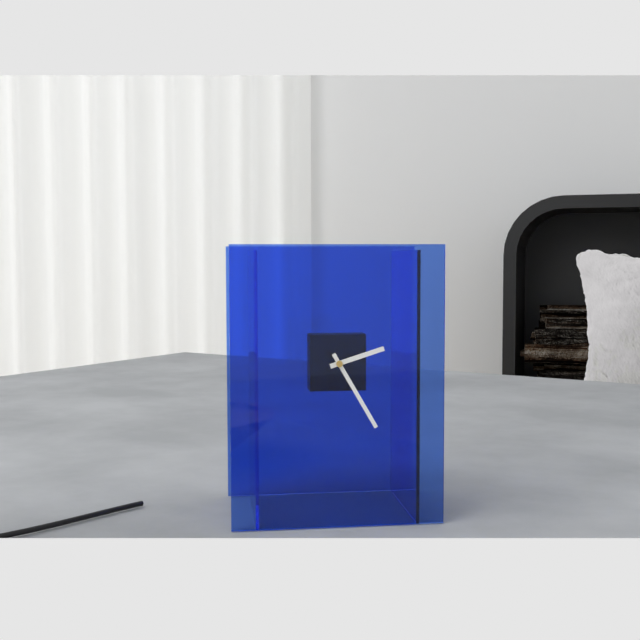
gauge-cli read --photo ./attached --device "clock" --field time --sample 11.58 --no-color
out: 2.25
